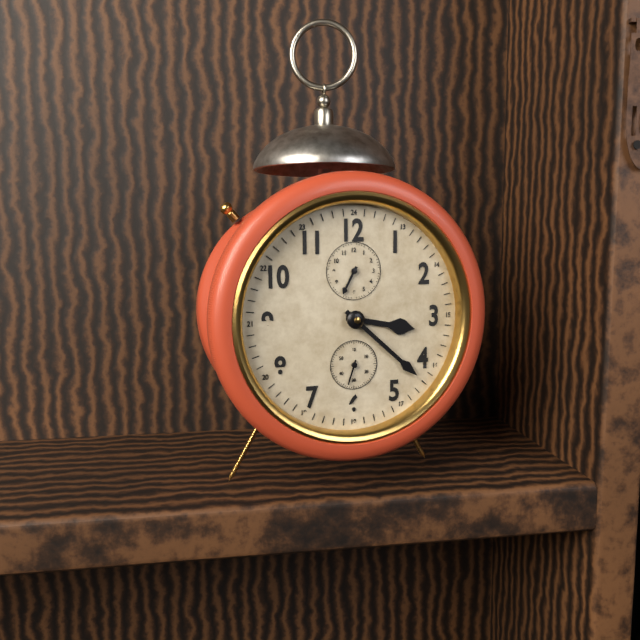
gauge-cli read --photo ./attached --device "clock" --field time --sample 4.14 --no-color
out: 3.22
